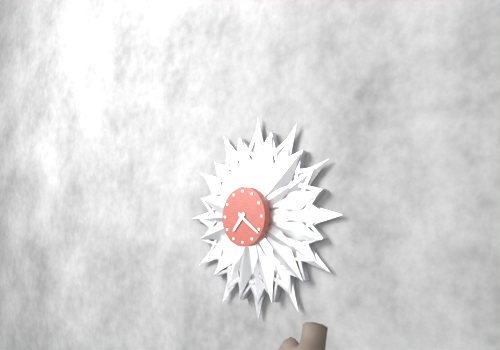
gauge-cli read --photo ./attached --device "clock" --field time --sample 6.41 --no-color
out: 7.21
